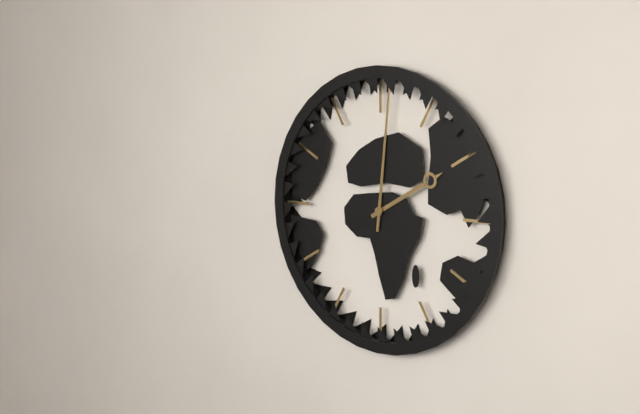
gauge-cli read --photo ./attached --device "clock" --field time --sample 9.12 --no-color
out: 2.01
